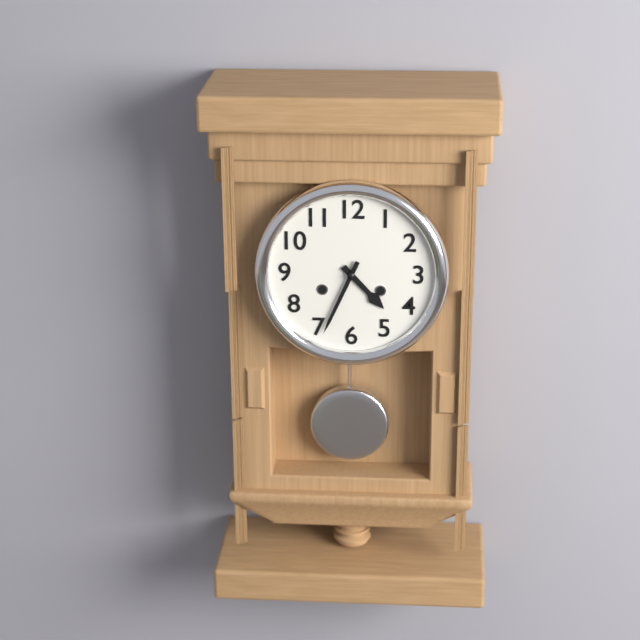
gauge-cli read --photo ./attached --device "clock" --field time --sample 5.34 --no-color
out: 4.34
